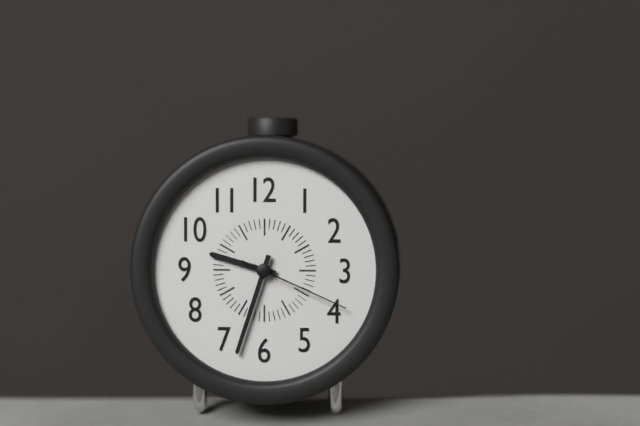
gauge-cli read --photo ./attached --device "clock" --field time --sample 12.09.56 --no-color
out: 9.33.19
